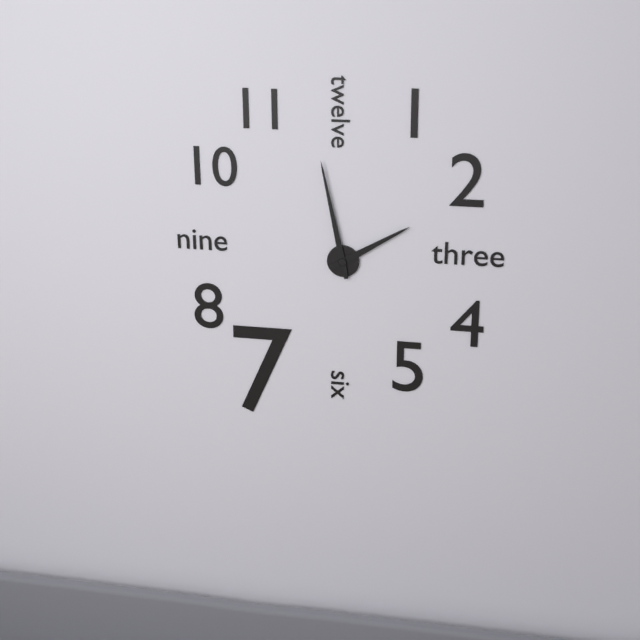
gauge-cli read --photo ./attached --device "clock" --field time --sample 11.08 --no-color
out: 1.58
